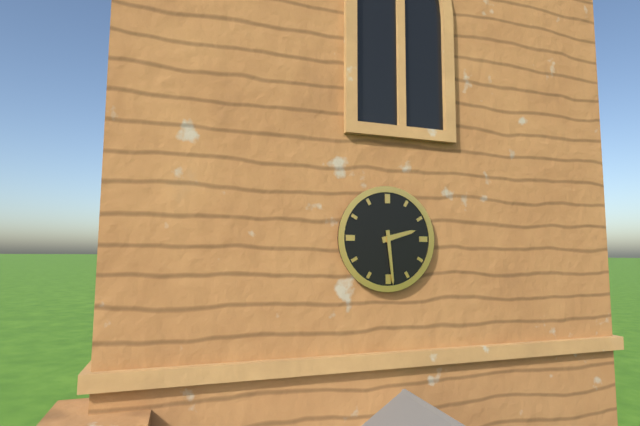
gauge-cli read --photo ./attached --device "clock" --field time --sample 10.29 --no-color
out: 2.29
